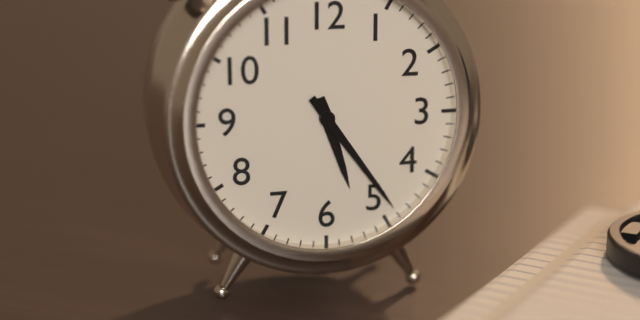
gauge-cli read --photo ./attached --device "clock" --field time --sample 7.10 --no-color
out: 5.24
